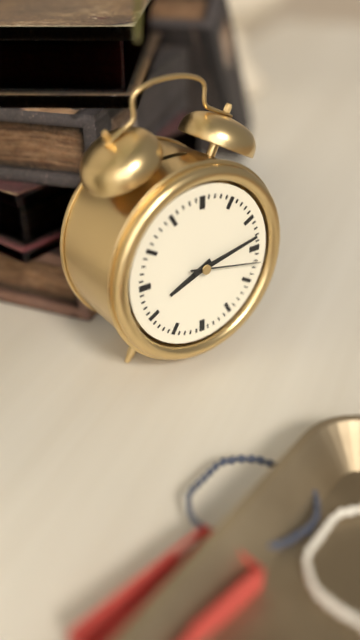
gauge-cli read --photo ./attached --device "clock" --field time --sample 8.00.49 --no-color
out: 8.13.17
